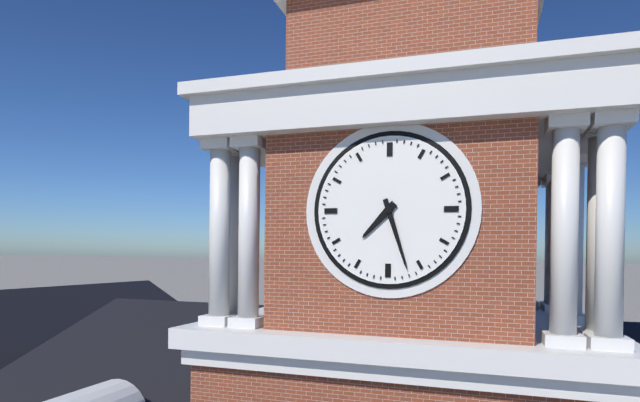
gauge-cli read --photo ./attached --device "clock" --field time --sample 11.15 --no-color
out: 7.27
